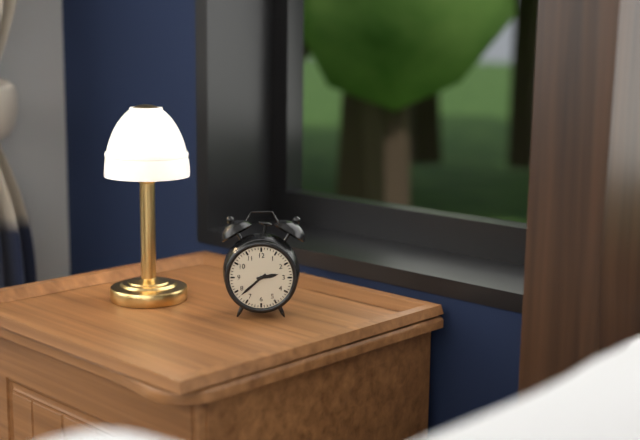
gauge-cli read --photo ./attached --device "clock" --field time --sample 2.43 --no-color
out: 2.38
